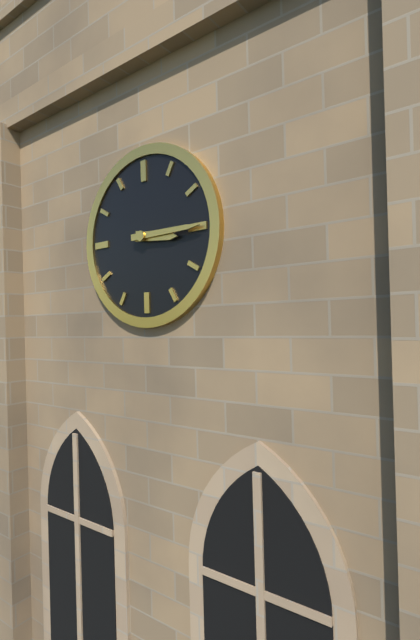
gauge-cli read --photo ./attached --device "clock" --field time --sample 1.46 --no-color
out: 3.15
